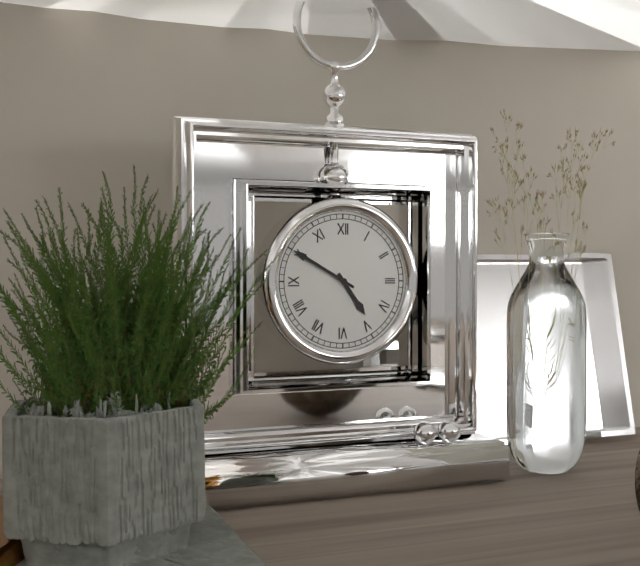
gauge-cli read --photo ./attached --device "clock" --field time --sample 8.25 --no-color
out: 4.50
